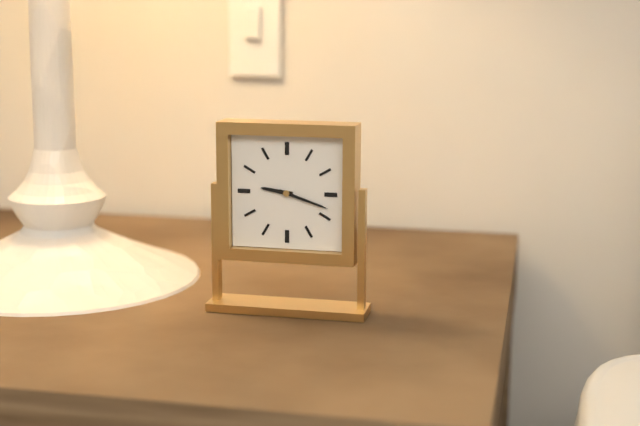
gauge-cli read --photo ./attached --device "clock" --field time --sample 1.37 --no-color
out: 9.18
